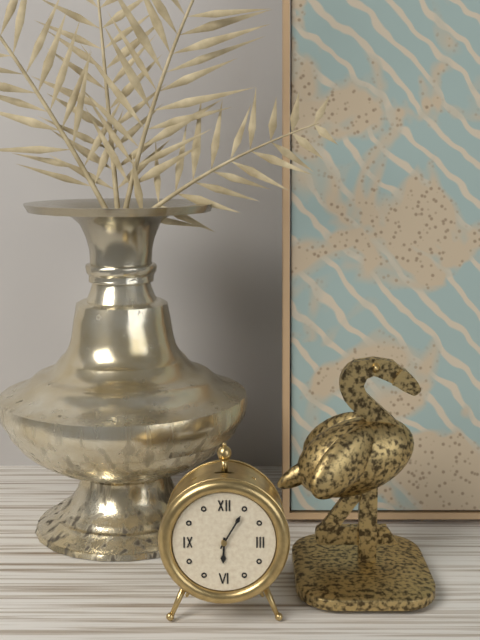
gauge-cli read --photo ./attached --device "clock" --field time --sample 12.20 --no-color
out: 6.05
